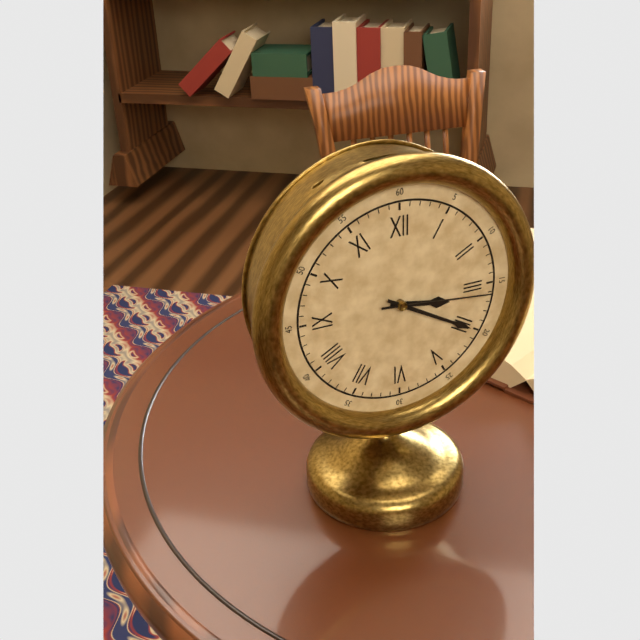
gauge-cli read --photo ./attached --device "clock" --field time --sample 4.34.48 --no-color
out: 3.20.16
